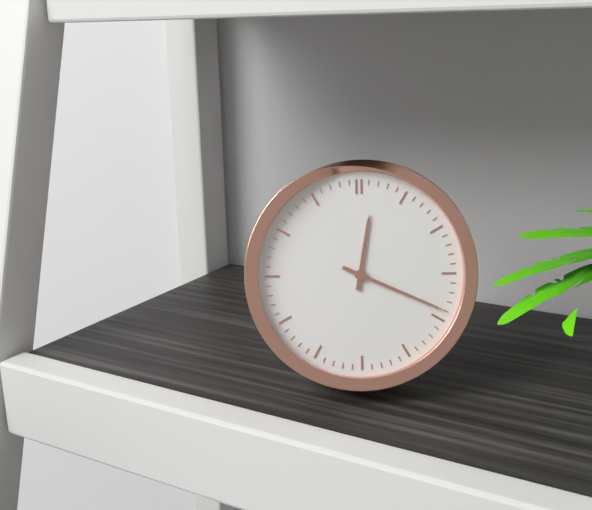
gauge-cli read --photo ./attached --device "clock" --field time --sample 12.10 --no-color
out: 12.19
